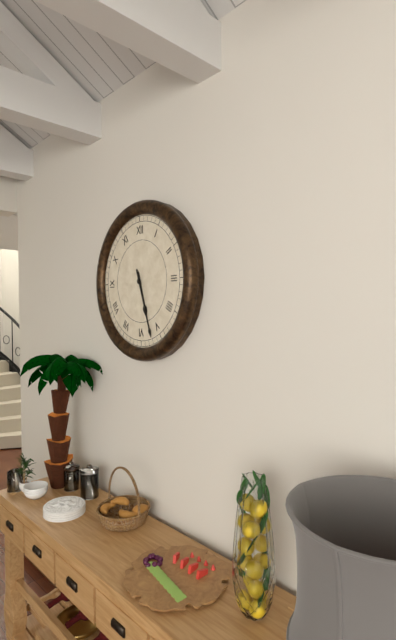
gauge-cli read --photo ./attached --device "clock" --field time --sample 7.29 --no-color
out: 5.27
